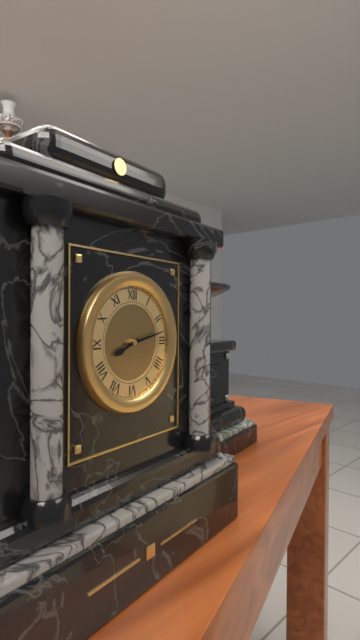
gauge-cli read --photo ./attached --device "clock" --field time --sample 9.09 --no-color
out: 8.13
